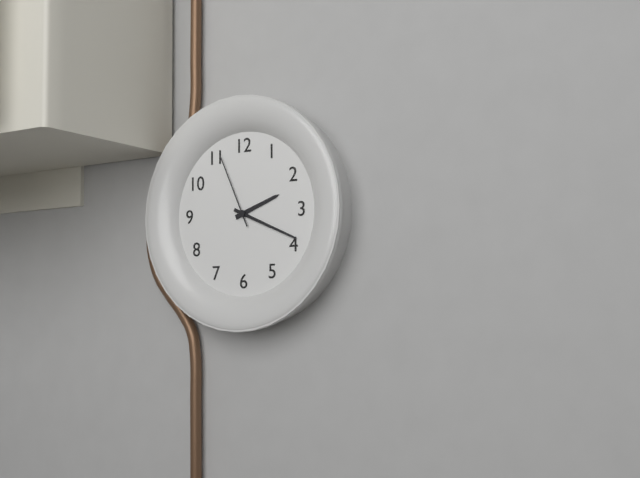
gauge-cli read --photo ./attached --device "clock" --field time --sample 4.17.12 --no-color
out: 2.19.56
